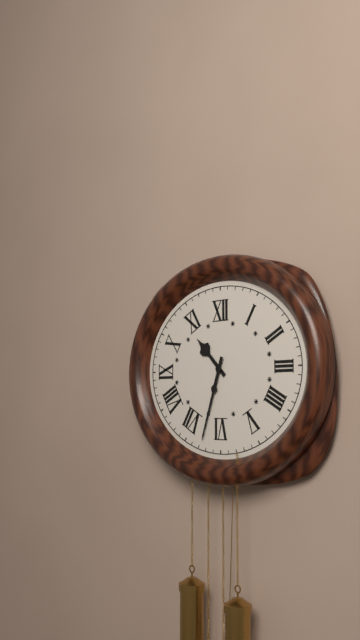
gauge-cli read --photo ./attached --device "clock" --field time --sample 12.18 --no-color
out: 10.33
